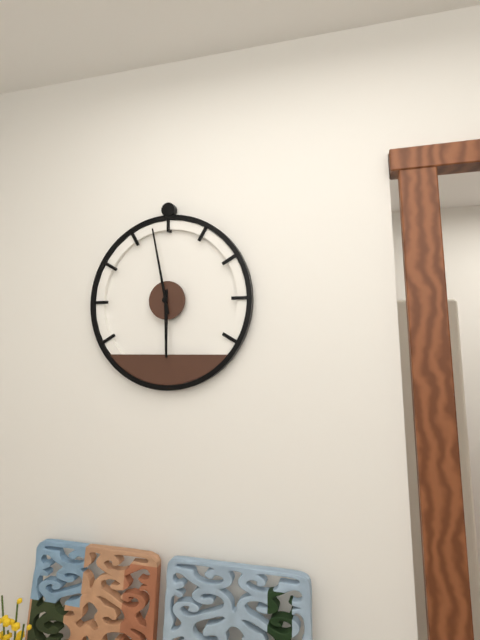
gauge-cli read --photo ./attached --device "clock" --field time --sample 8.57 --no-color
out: 5.58
